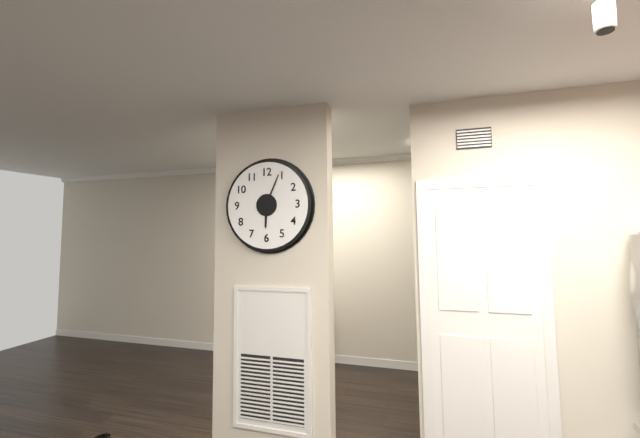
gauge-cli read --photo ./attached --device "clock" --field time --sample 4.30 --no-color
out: 6.04
